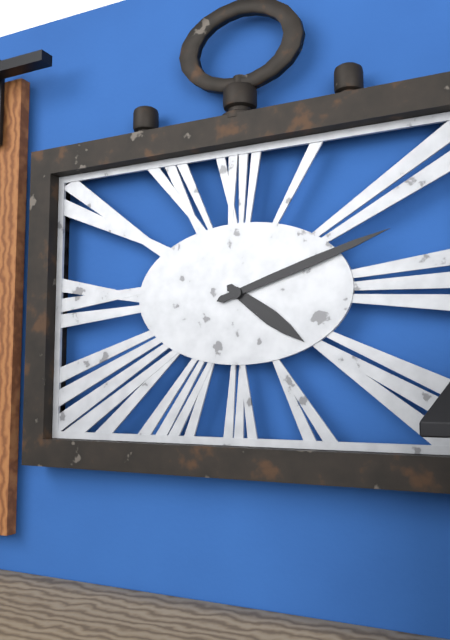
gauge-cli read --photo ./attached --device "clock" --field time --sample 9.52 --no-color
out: 4.12
